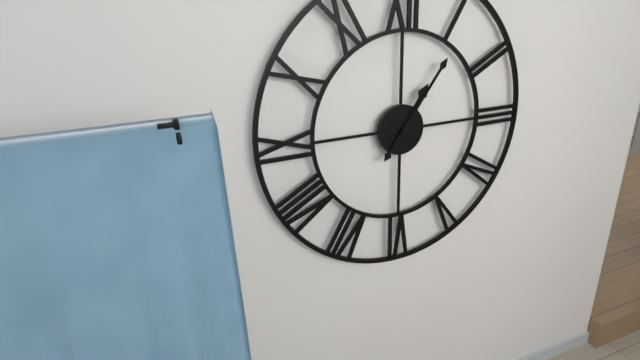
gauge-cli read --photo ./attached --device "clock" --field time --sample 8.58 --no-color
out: 1.06
